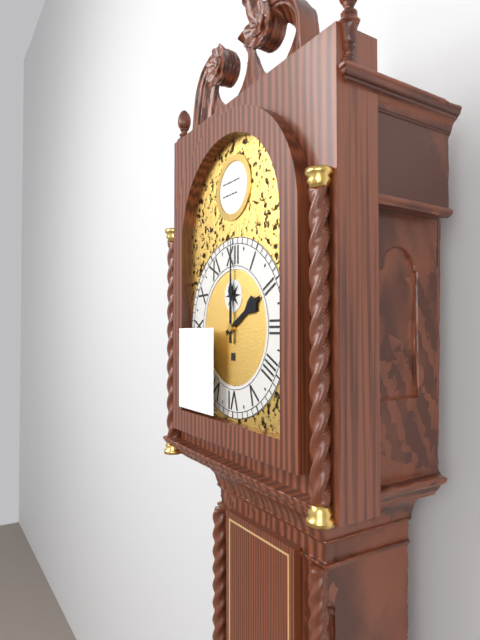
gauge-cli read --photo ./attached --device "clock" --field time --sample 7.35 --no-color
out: 2.00
